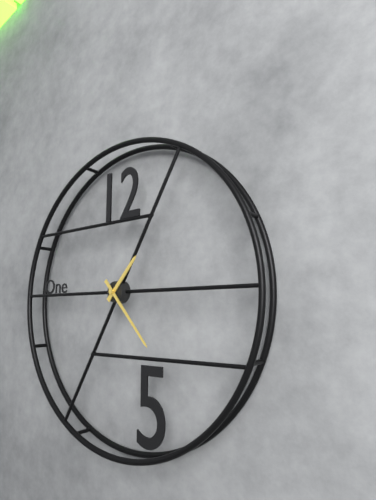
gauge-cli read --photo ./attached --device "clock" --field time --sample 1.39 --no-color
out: 1.23
